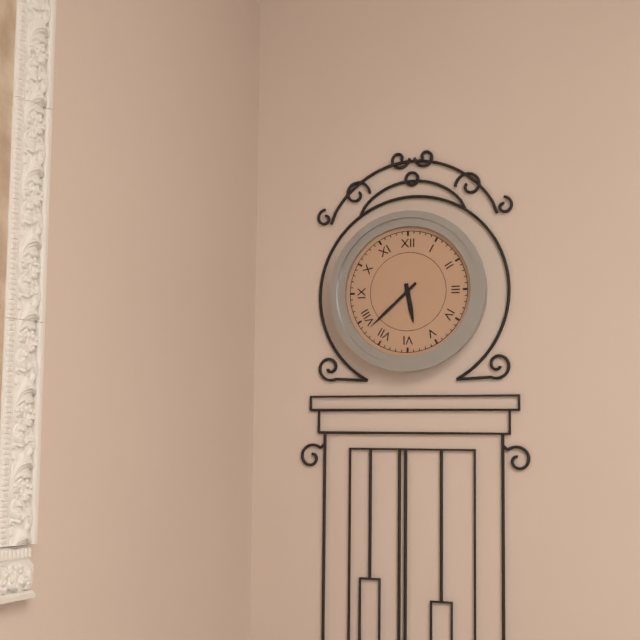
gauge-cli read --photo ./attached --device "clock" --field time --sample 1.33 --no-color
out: 5.38
